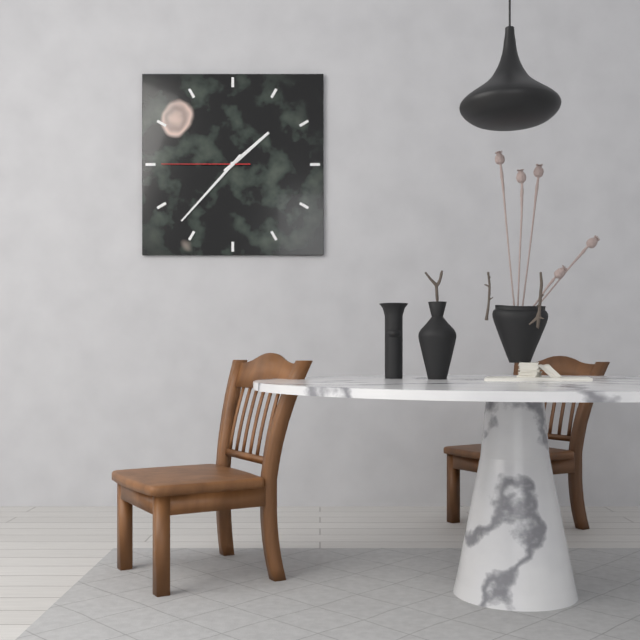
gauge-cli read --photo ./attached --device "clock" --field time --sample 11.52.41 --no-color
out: 1.37.45
